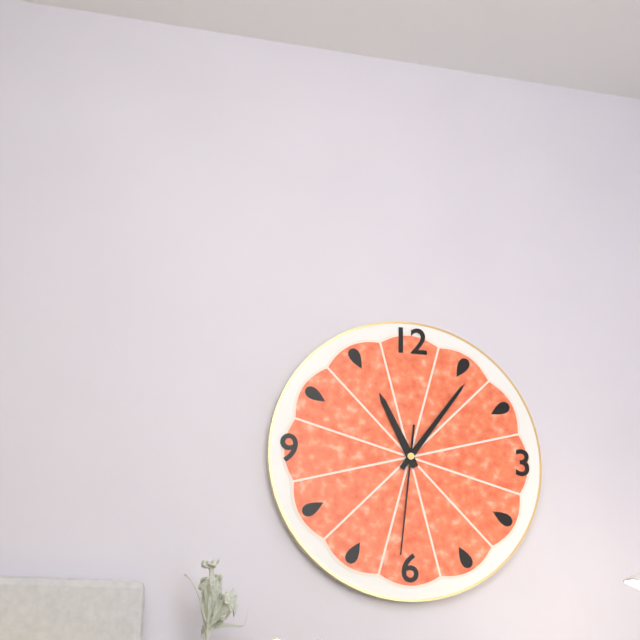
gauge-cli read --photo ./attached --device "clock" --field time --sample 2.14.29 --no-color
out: 11.06.31
